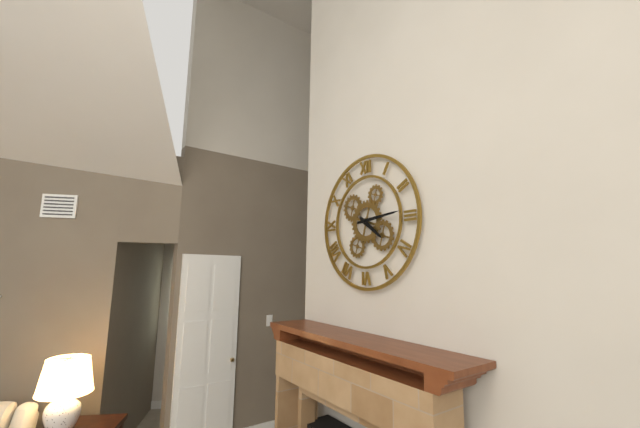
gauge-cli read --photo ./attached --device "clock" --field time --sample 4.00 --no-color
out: 4.14
